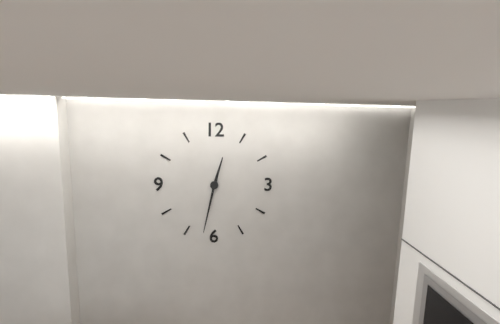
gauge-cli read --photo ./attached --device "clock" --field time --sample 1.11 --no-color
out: 12.32
